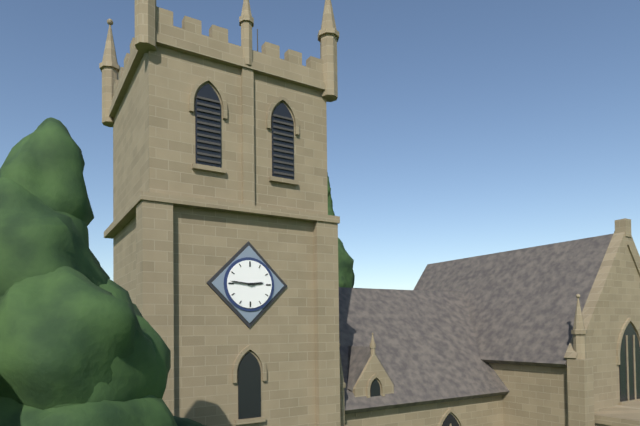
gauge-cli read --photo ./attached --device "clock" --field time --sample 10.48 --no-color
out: 2.46
